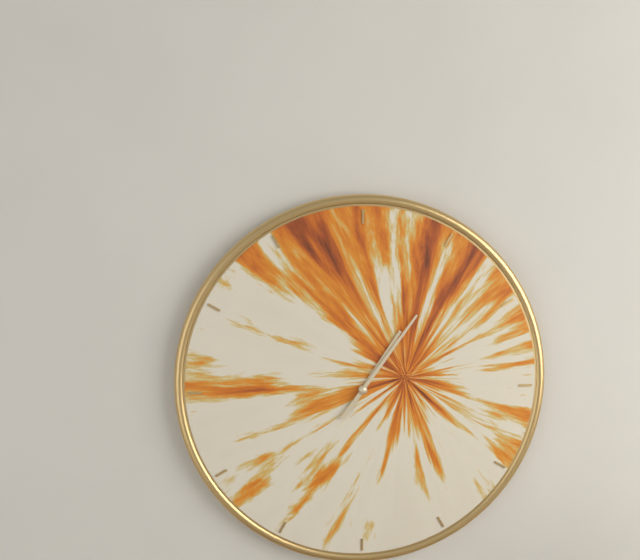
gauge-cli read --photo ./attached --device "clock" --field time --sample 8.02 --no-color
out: 1.06
